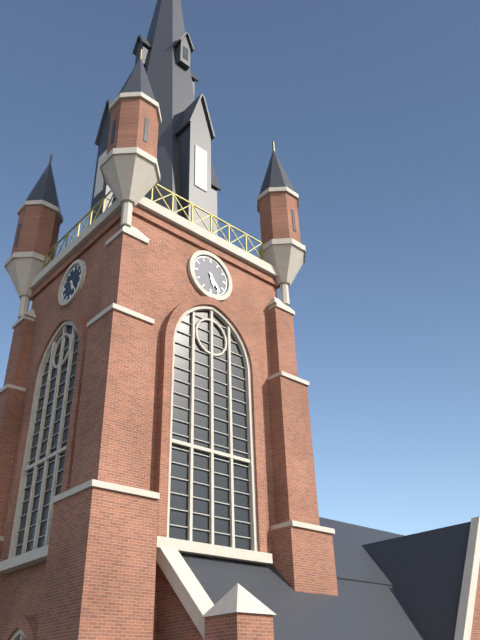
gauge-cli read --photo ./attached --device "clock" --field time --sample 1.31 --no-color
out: 5.24
